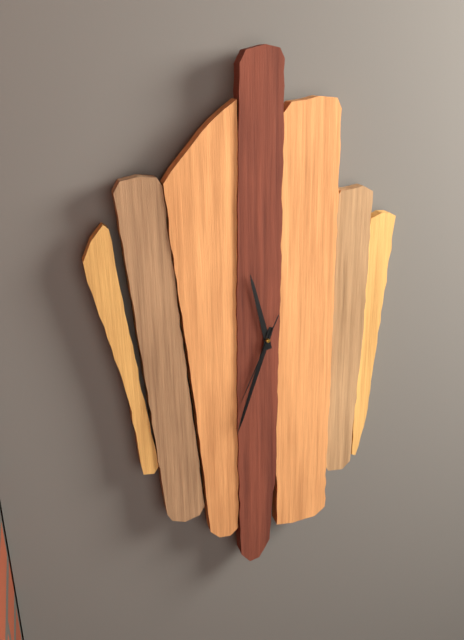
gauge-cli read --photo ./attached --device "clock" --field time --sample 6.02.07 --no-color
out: 11.33.34
